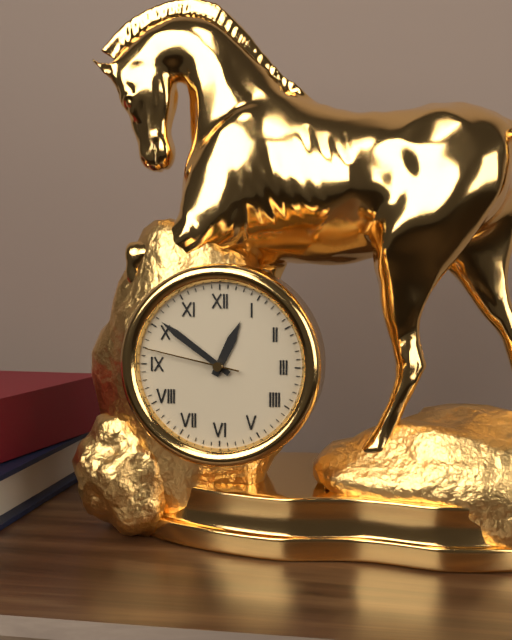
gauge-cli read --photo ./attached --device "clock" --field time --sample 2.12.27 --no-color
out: 12.51.47
